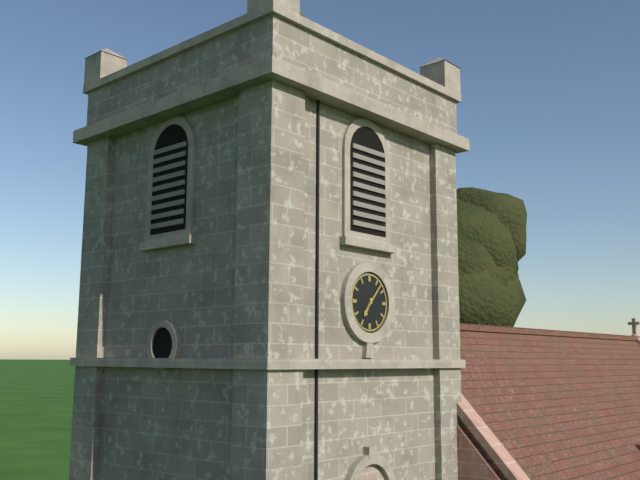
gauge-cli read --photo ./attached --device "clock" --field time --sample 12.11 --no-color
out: 7.07
